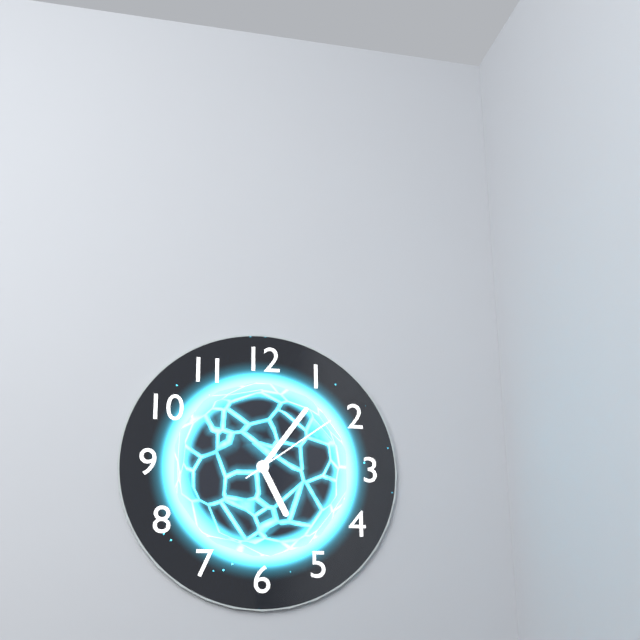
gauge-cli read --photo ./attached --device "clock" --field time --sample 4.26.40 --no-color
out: 5.06.09
